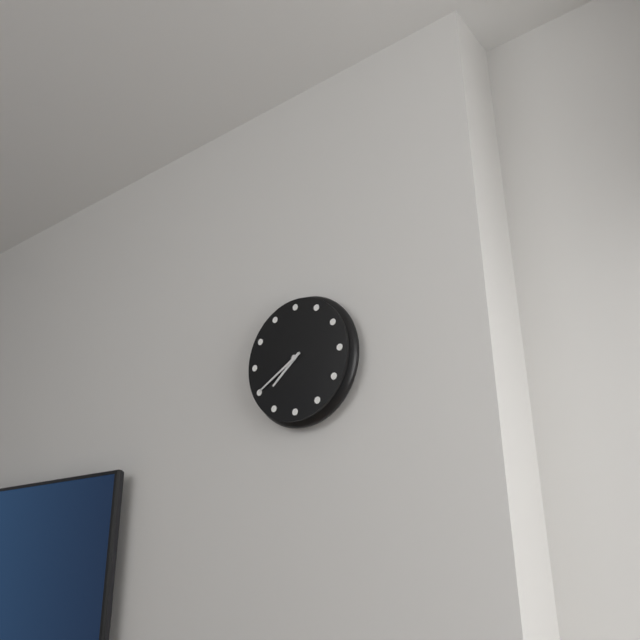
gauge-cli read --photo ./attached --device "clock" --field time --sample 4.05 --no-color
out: 7.40
